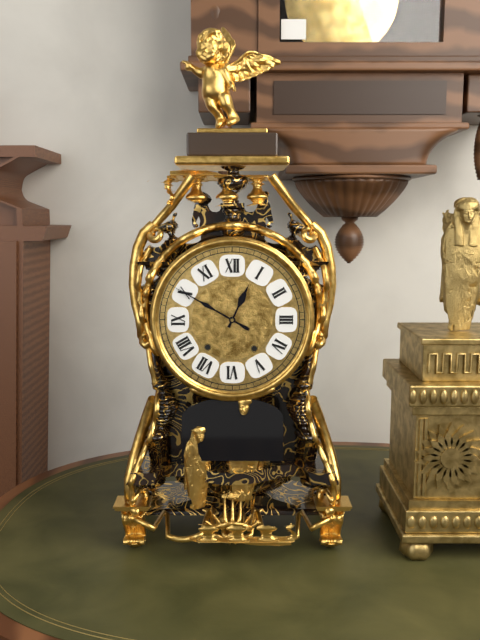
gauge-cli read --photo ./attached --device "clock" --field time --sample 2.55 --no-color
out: 12.50
